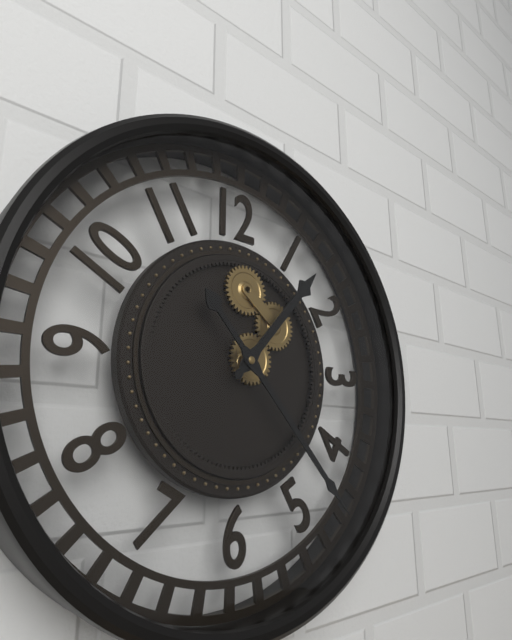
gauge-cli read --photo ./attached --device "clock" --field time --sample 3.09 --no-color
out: 1.23
